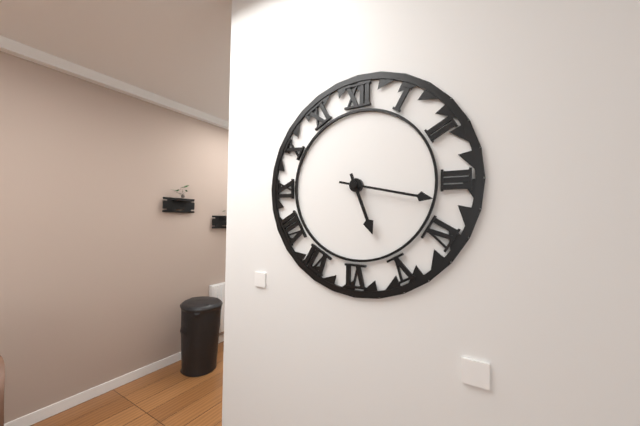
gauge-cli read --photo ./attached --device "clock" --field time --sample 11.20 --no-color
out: 5.17
